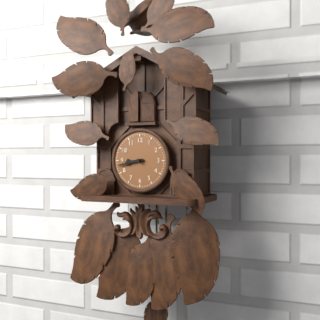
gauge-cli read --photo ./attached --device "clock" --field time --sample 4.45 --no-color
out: 8.43
